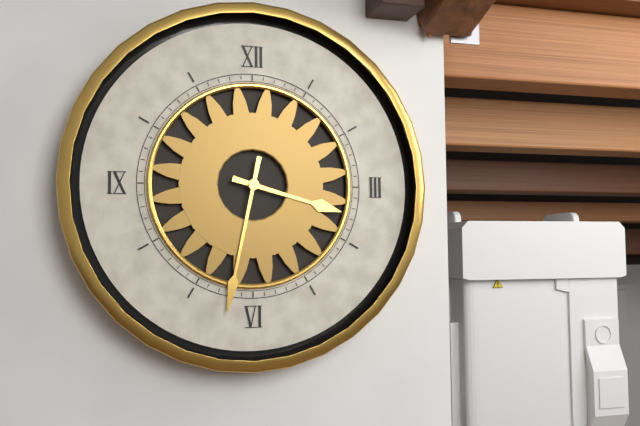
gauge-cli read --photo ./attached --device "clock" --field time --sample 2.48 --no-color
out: 3.32
